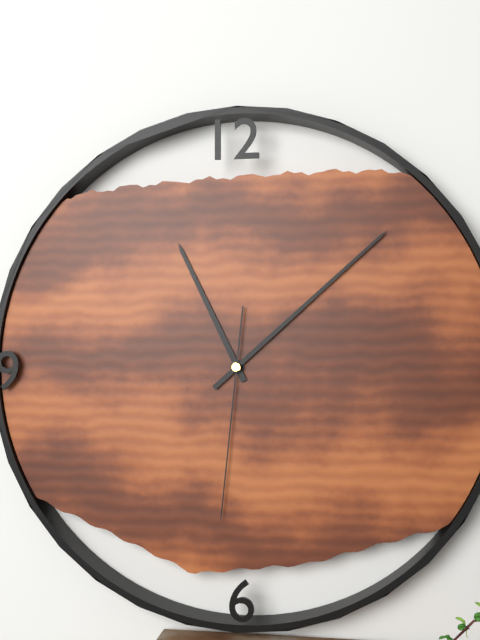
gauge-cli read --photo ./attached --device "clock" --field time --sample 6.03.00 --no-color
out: 11.08.31
